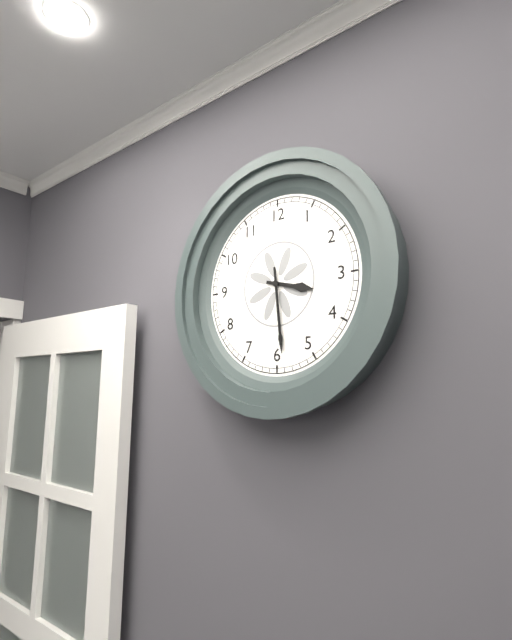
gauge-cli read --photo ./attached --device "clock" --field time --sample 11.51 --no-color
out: 3.29
